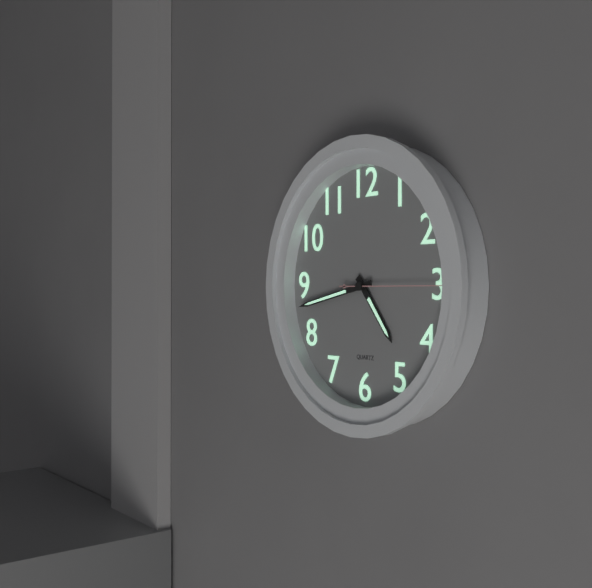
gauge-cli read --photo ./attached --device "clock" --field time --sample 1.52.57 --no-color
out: 4.43.15
